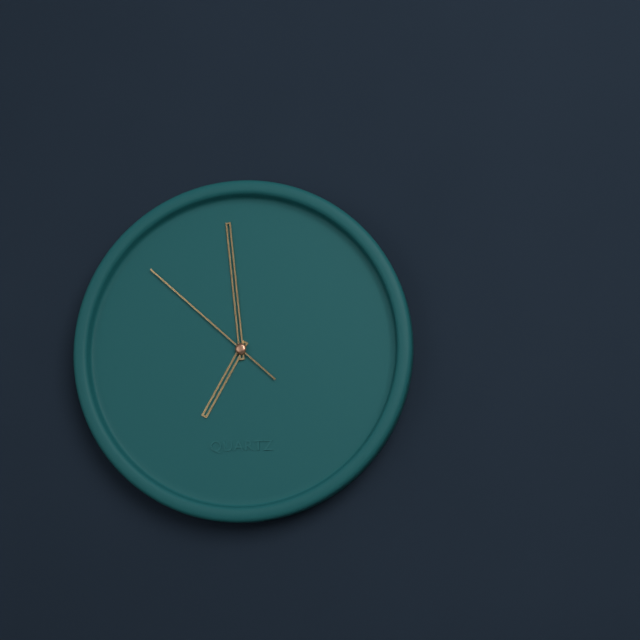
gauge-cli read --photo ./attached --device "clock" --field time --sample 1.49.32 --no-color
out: 6.59.52
